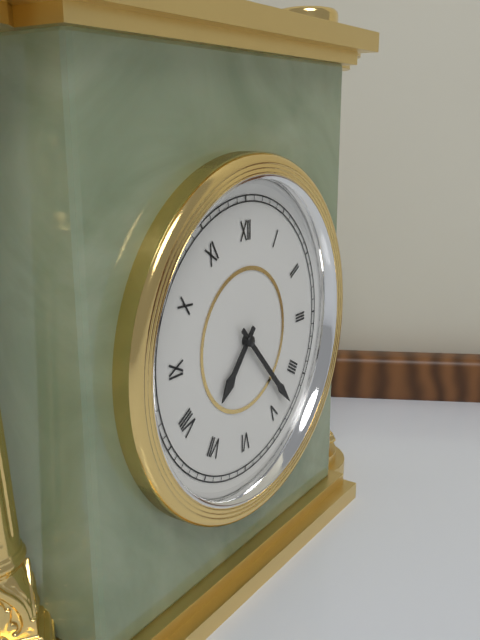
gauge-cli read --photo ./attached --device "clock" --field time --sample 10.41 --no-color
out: 7.23
